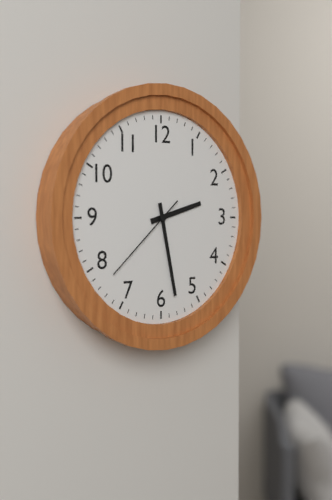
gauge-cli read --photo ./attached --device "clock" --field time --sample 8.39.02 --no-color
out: 2.28.38
